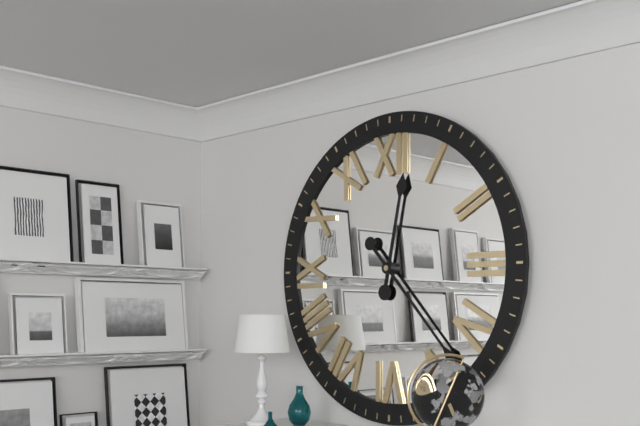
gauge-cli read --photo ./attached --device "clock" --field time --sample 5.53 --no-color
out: 12.23
